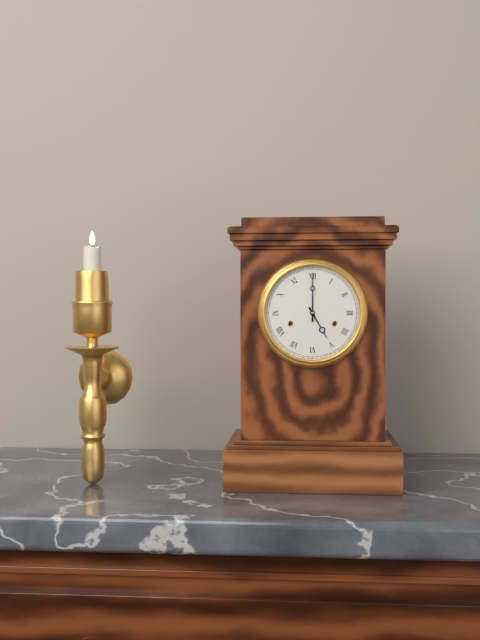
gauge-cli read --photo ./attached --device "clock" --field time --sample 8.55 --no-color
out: 5.00
